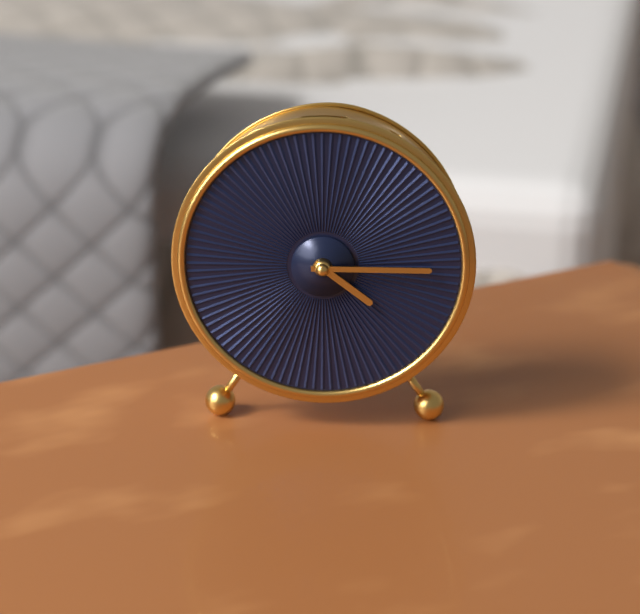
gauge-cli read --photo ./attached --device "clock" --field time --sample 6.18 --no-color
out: 4.15
